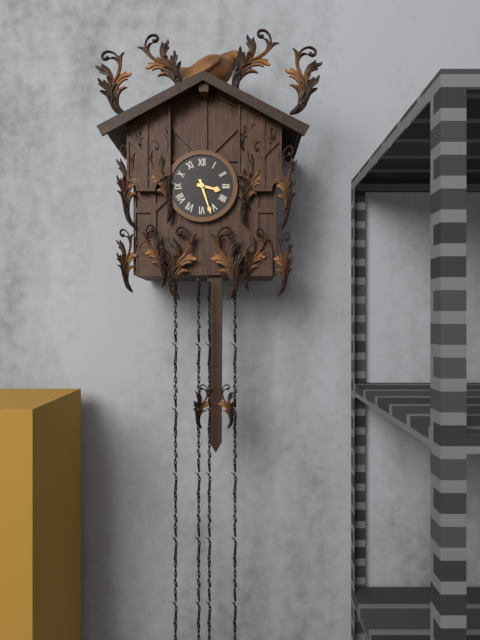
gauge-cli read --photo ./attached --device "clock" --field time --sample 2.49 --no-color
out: 3.27
